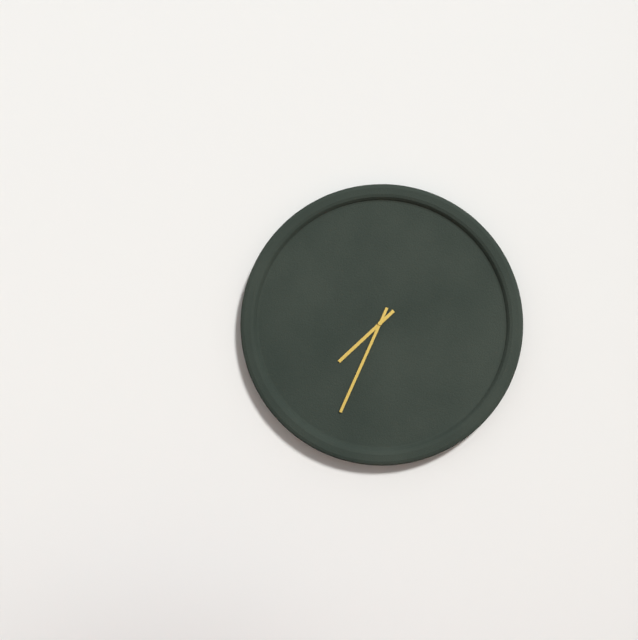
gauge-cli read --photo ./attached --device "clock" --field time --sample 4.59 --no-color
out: 7.34
